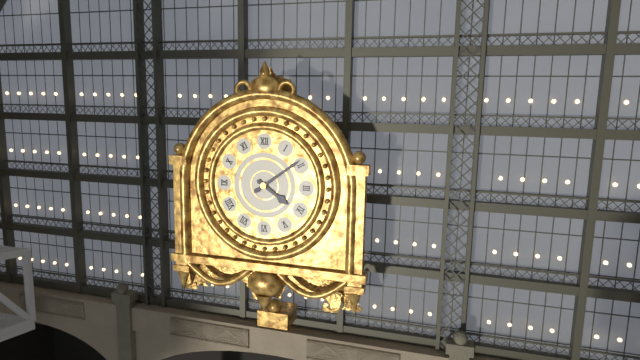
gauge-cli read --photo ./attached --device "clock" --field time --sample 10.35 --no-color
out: 4.09
